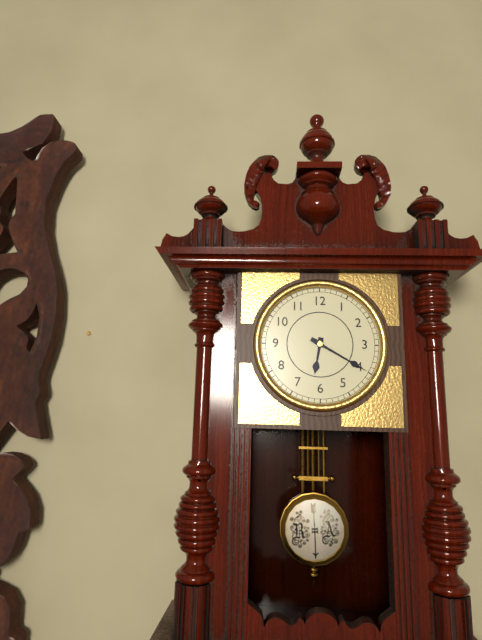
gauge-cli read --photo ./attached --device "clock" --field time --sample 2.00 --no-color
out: 6.20
